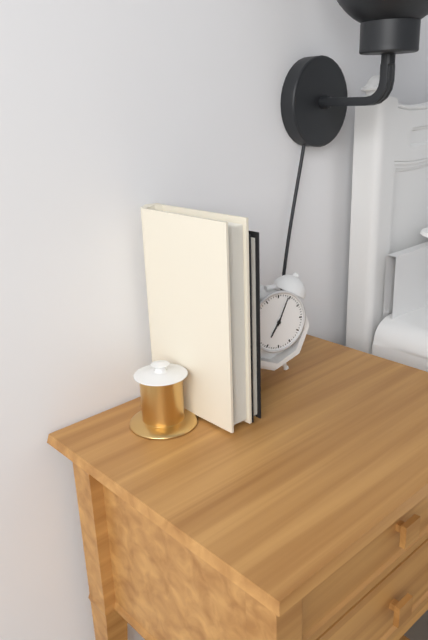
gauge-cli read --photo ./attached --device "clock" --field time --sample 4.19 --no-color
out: 7.04
